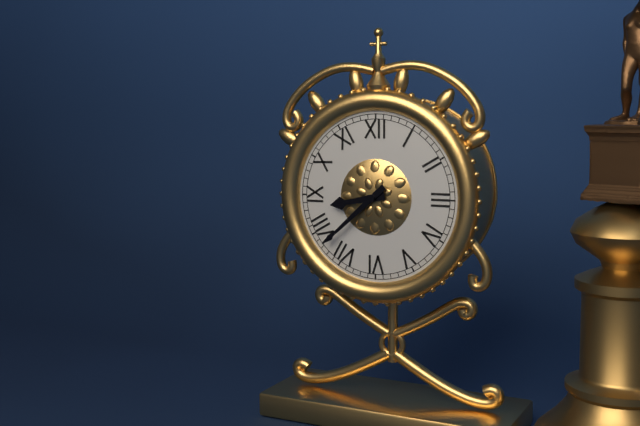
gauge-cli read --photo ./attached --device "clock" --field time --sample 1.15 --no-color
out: 8.38
